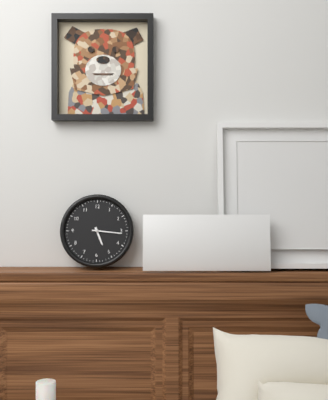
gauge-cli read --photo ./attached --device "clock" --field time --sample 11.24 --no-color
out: 5.16
